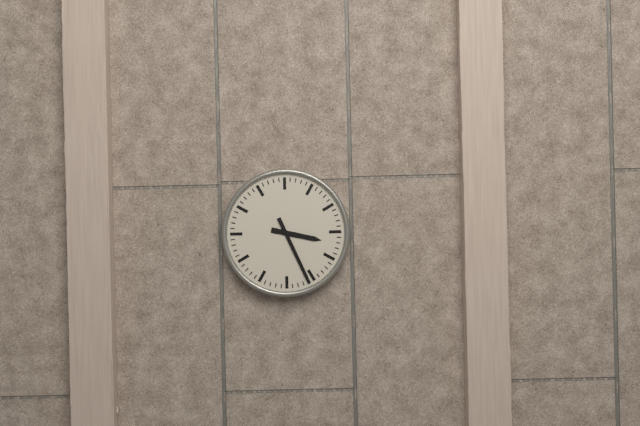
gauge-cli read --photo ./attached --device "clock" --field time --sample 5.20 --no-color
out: 3.26
